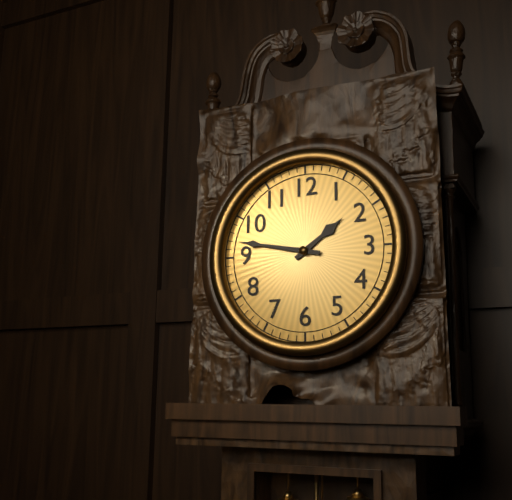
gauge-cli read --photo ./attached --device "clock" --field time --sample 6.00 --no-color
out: 1.47
